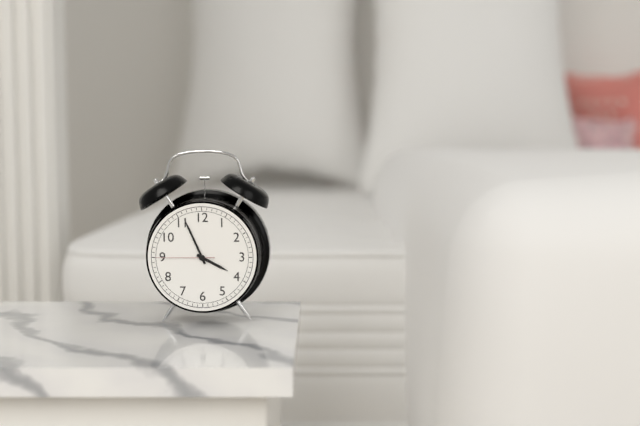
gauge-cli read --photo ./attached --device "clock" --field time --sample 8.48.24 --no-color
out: 3.56.45
